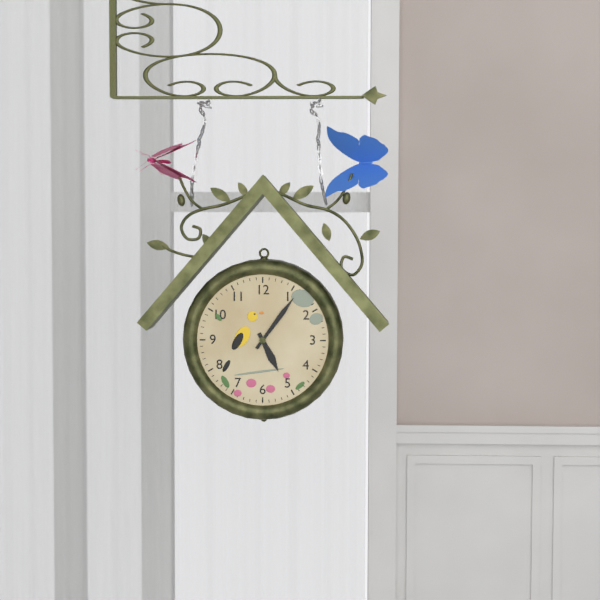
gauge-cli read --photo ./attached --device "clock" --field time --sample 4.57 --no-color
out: 5.06
